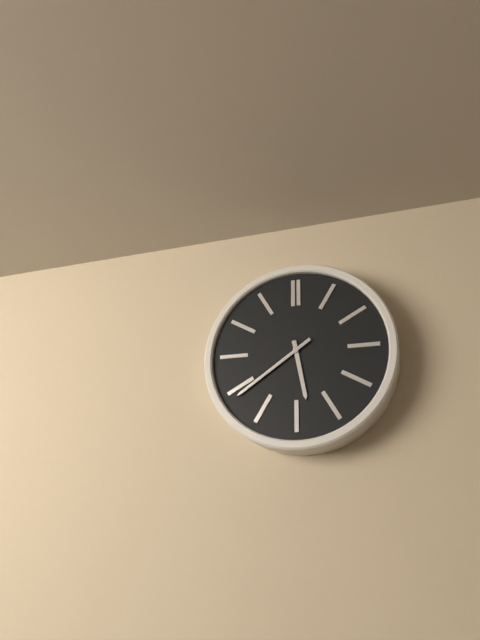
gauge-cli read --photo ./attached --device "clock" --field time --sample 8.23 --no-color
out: 5.39
